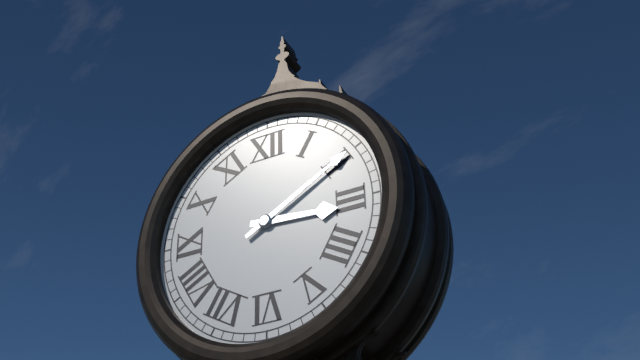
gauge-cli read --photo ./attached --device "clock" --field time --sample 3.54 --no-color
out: 3.10
